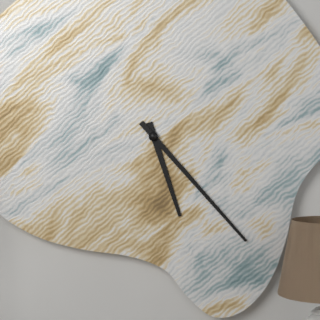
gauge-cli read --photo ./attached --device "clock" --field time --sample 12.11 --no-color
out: 5.23
